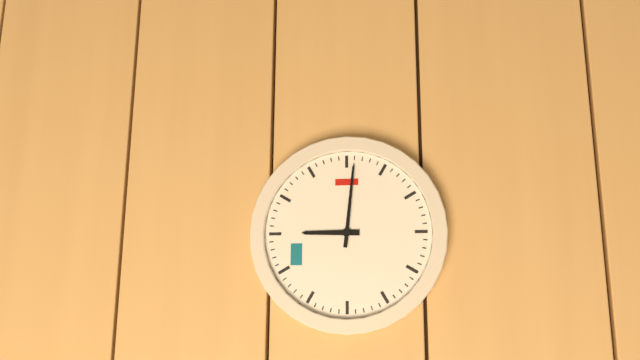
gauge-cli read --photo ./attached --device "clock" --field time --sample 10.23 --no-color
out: 9.01
